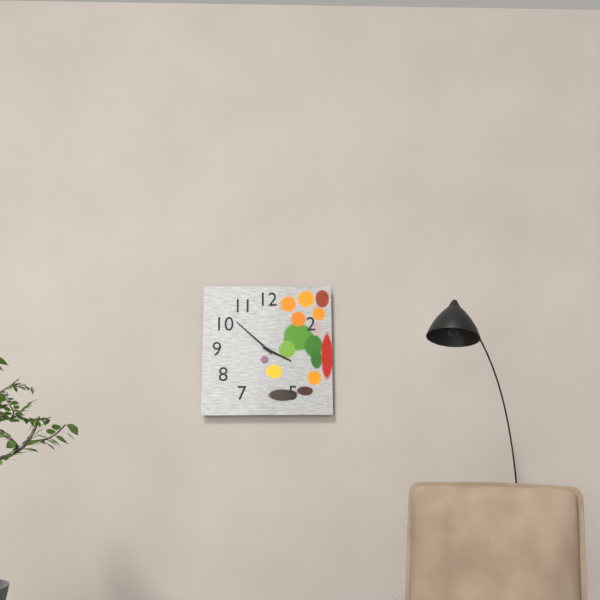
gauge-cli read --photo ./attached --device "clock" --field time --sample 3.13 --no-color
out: 3.52
